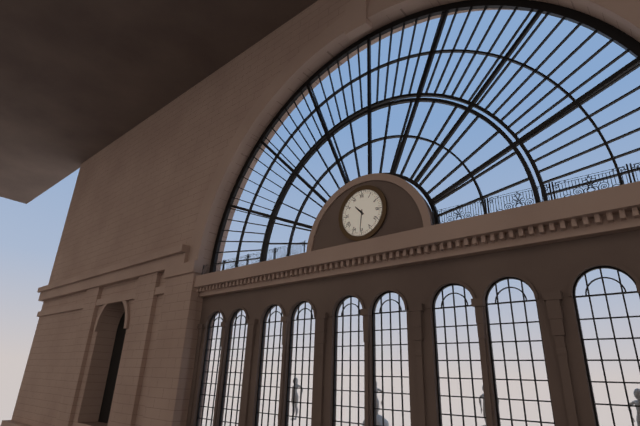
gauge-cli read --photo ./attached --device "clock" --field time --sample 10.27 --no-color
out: 10.31
